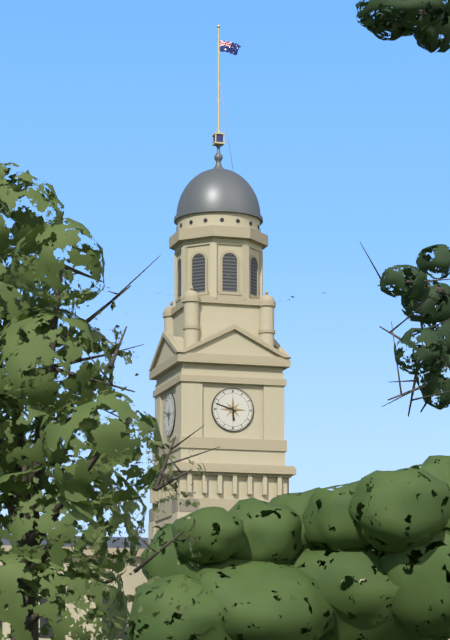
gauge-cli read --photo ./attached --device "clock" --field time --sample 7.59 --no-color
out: 5.48
